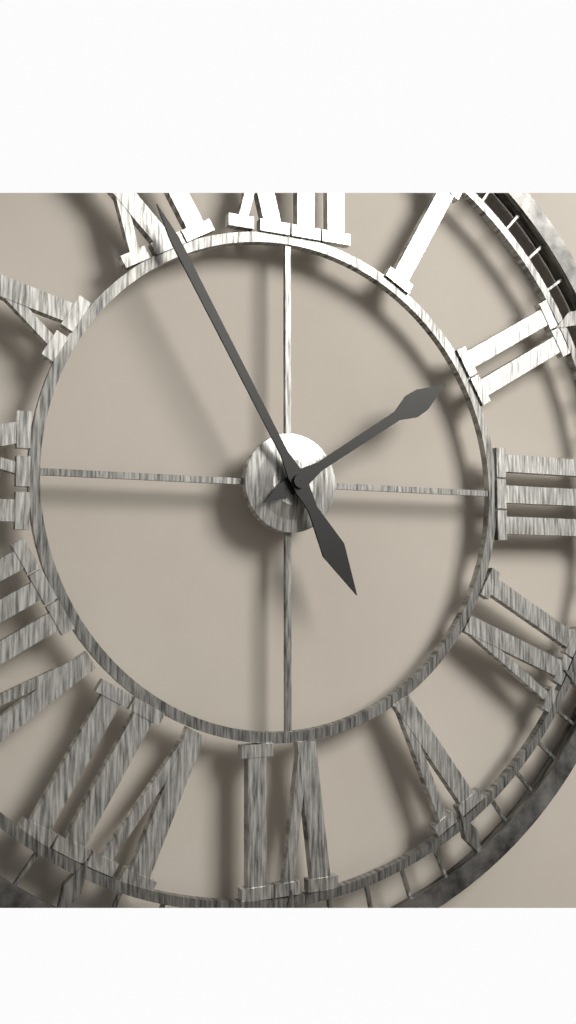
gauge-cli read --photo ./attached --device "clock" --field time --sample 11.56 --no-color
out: 1.55
